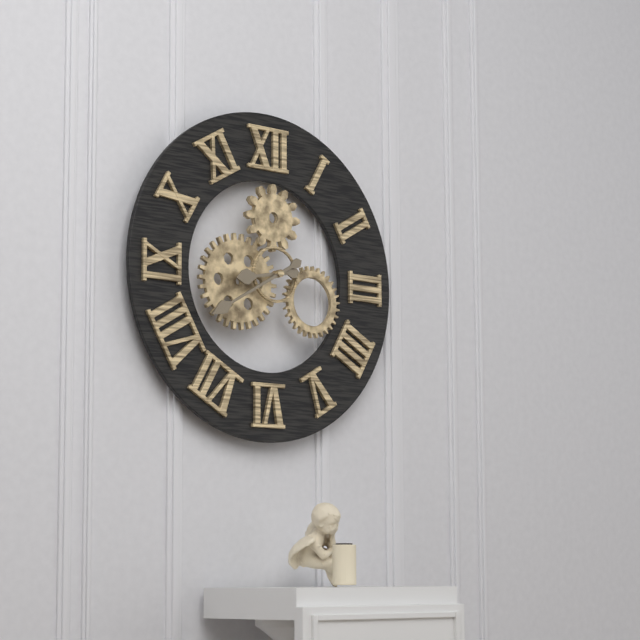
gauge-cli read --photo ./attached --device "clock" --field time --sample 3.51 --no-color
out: 8.40
